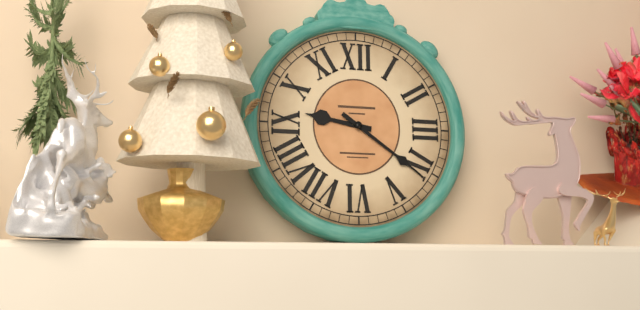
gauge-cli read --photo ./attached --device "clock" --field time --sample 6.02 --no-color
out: 9.21
